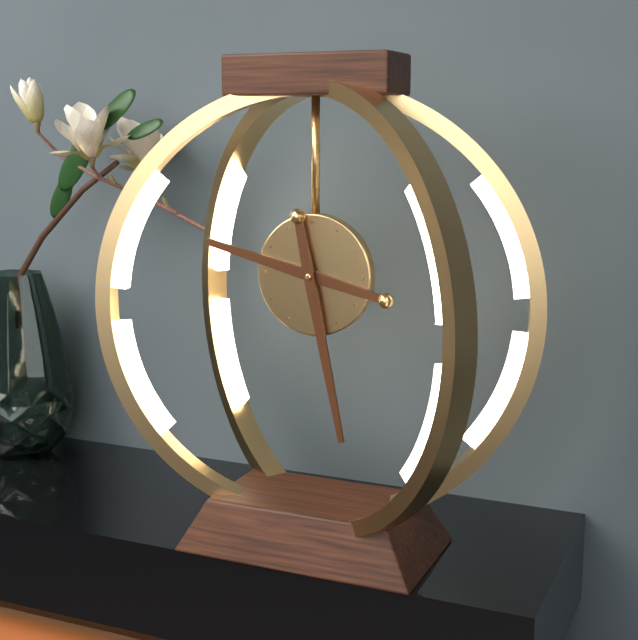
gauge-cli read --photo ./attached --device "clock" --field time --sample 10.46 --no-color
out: 9.28
